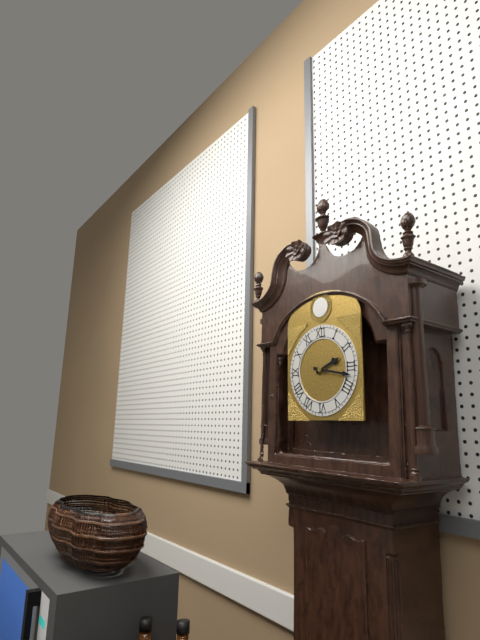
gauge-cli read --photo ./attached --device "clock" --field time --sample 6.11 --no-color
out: 2.17
